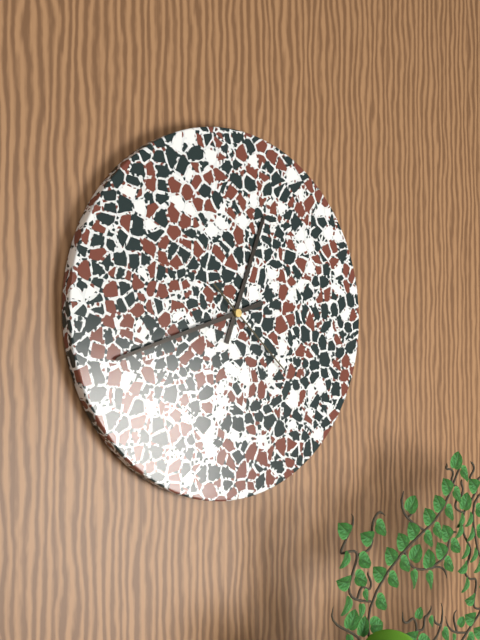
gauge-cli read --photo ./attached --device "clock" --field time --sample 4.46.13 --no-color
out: 12.42.22
